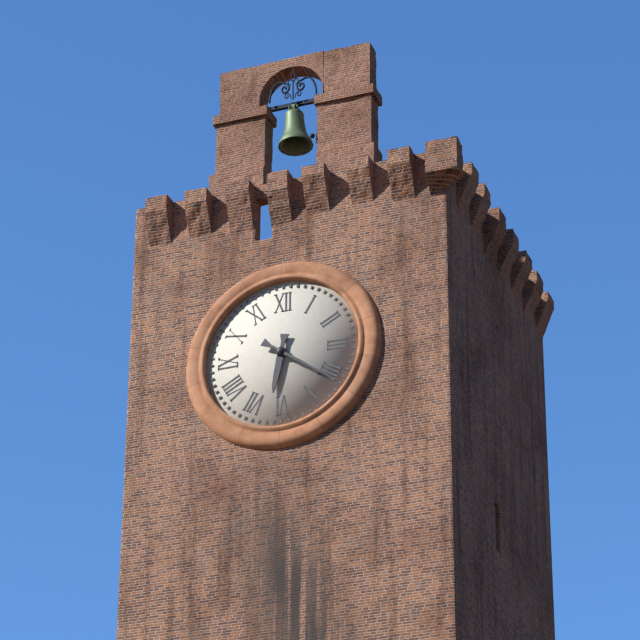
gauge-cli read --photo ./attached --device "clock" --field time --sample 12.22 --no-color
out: 6.21
